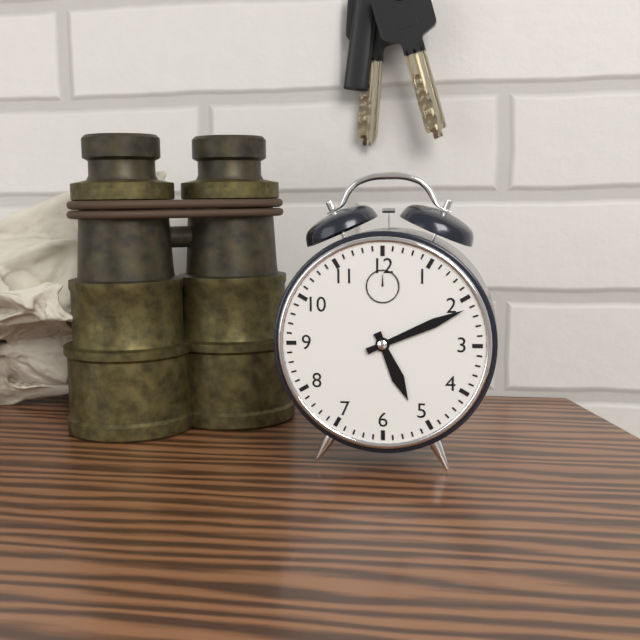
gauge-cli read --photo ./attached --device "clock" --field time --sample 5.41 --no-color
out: 5.11
